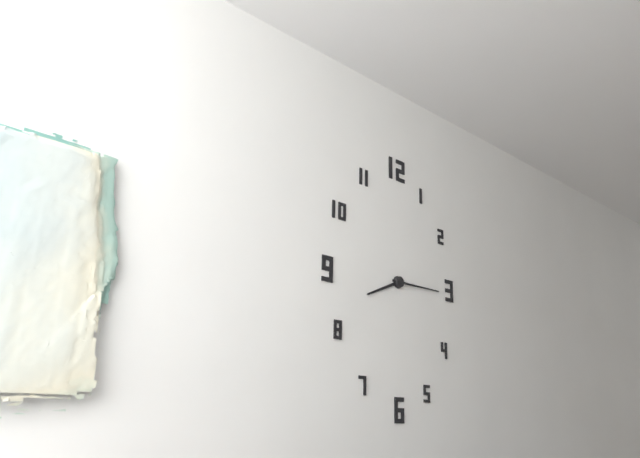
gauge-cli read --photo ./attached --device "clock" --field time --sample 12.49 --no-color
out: 8.15
